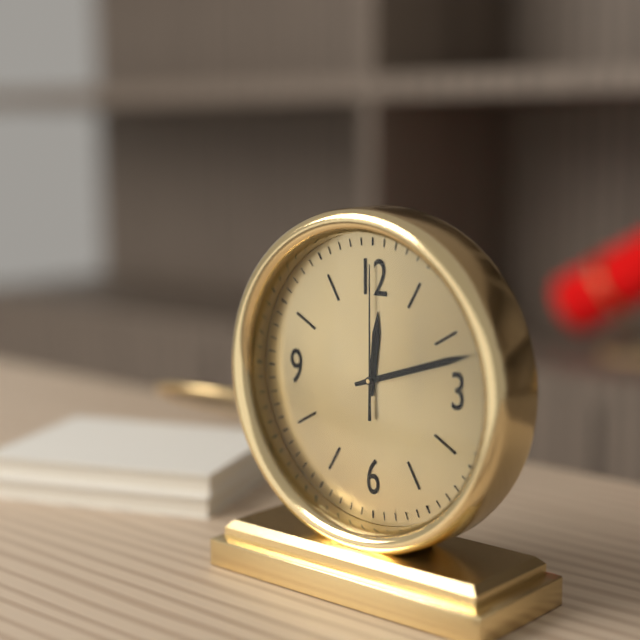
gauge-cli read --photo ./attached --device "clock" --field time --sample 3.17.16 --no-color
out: 12.12.00
